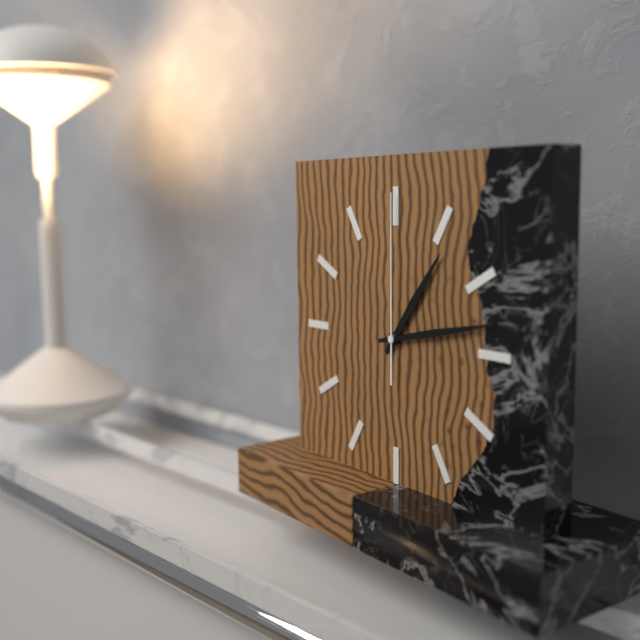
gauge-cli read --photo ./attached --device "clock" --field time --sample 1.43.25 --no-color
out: 1.13.00
